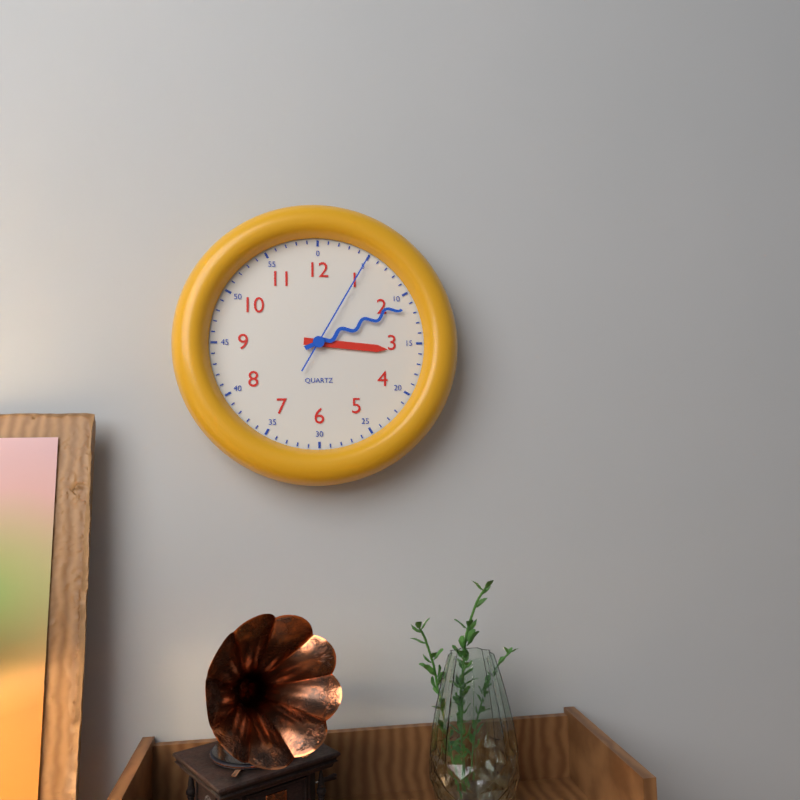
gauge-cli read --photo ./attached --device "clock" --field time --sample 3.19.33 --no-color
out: 3.11.05
